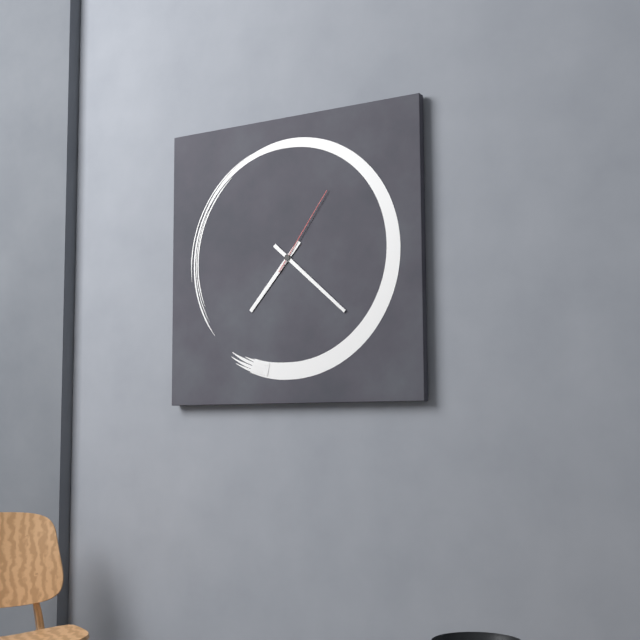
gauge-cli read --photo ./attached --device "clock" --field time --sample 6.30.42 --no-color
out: 7.22.06
